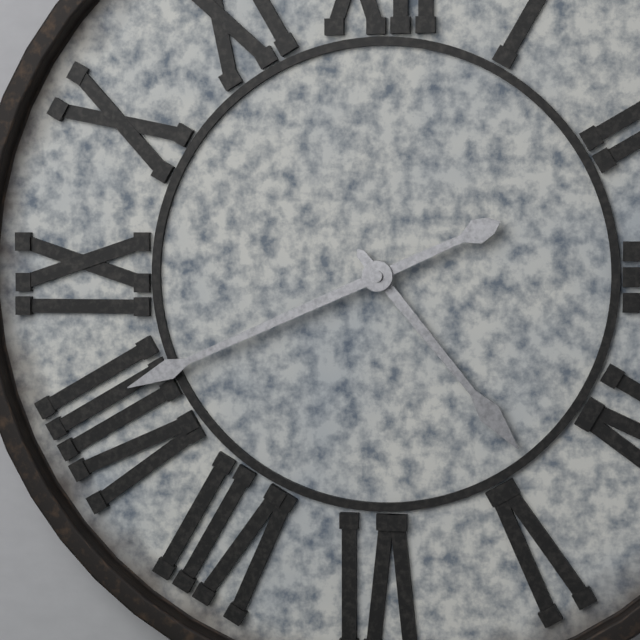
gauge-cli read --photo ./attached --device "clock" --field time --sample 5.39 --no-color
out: 4.41
